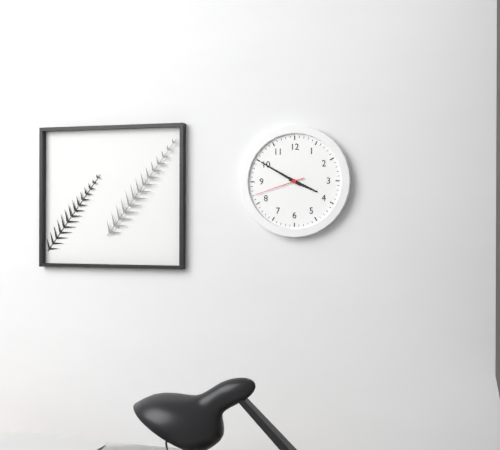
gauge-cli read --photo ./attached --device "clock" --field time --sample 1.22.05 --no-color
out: 3.50.42
